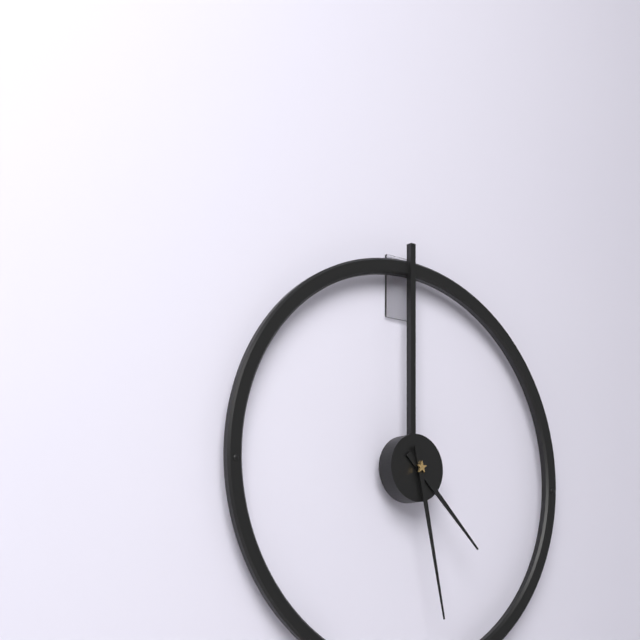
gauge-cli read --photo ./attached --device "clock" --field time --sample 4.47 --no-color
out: 4.28
